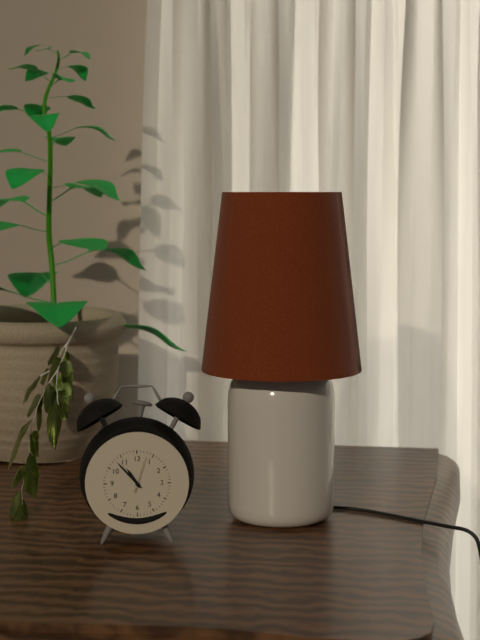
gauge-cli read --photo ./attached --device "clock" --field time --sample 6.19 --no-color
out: 10.53
